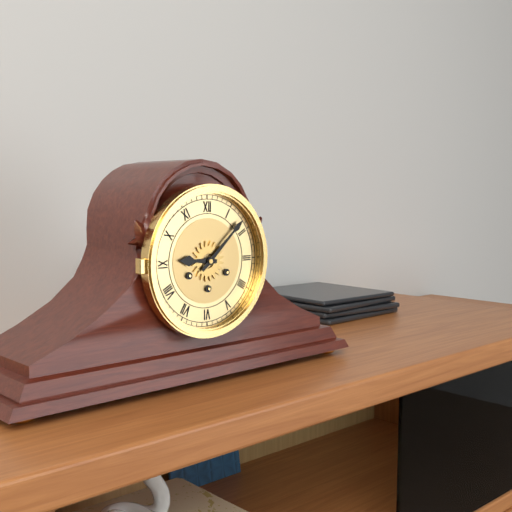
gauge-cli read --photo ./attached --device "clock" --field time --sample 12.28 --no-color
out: 9.08
